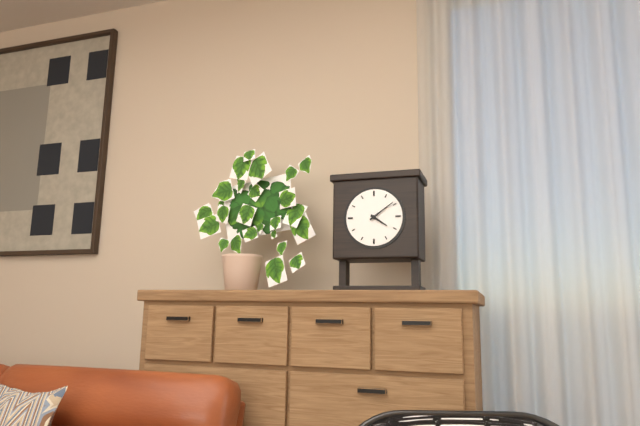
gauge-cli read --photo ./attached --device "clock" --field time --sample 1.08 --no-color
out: 4.09
